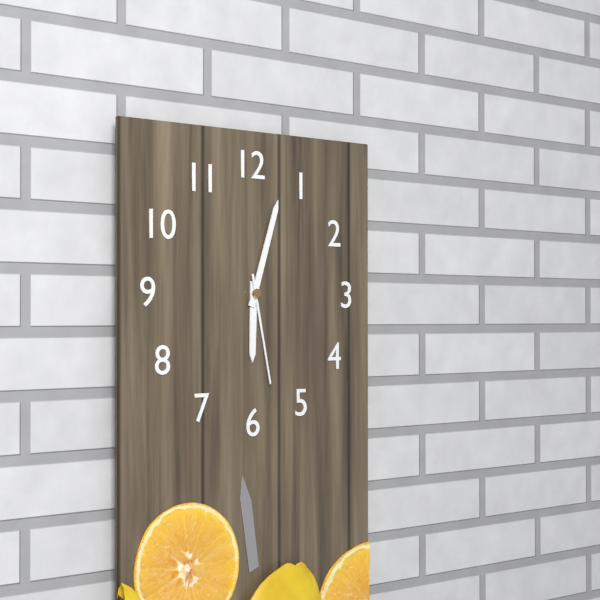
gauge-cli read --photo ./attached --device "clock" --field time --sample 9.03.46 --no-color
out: 6.03.28
